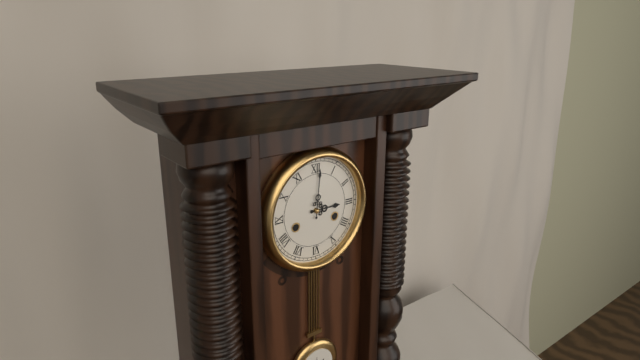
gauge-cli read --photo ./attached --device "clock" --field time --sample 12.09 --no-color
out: 3.01
